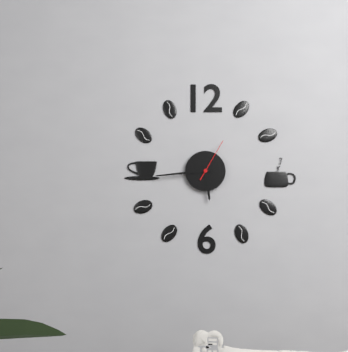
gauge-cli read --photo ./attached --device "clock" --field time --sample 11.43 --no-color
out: 5.44
